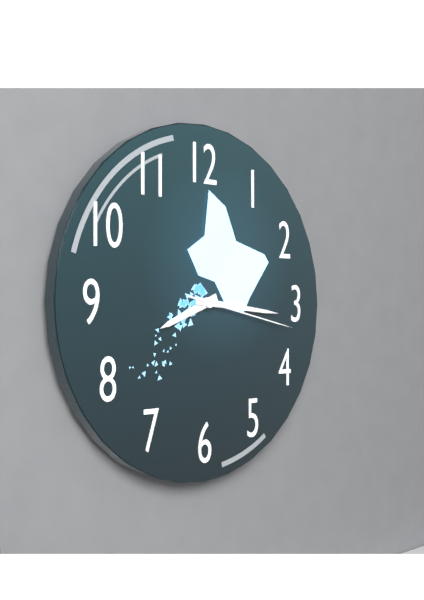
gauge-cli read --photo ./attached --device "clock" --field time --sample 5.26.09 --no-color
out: 8.16.17
